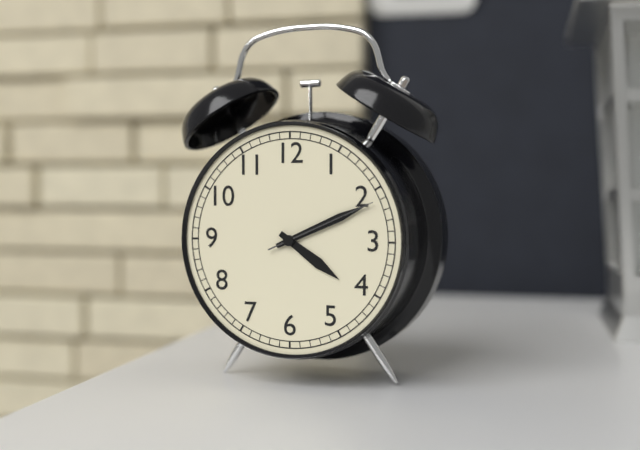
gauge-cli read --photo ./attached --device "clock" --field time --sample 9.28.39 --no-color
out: 4.11.11
